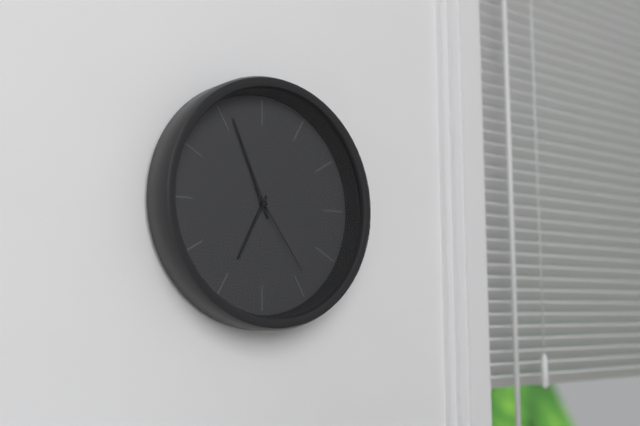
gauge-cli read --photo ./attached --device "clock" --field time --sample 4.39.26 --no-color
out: 6.56.24
